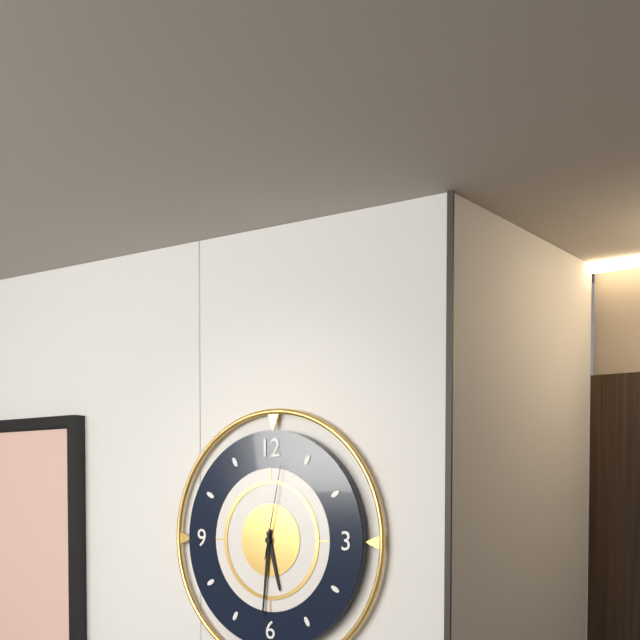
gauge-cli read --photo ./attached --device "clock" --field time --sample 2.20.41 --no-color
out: 5.31.02
